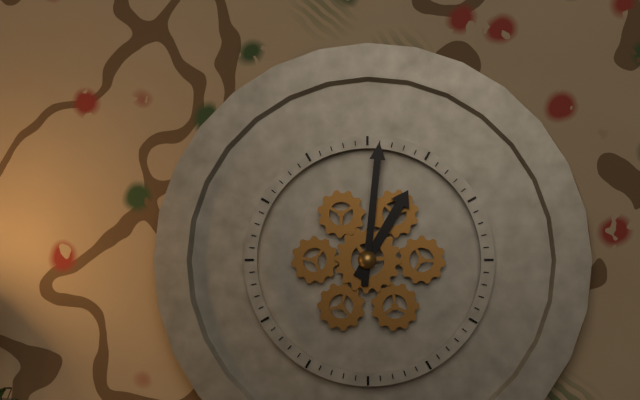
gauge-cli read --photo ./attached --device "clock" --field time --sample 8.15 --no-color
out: 1.01
